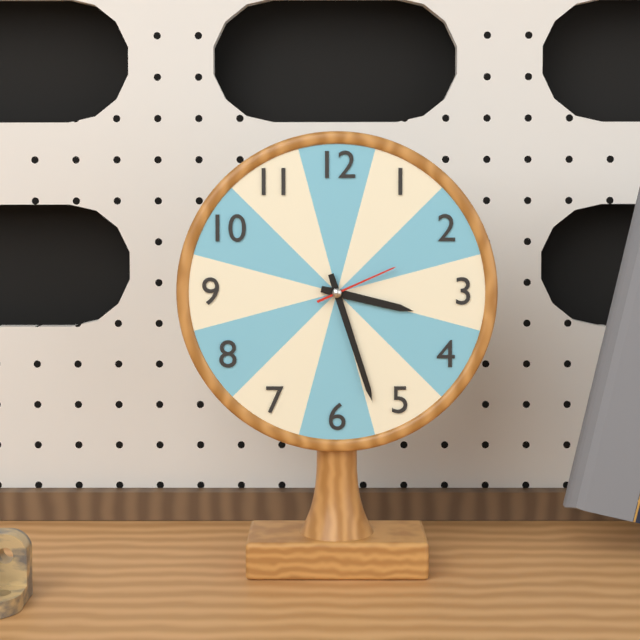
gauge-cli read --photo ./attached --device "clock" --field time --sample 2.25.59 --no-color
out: 3.27.11
